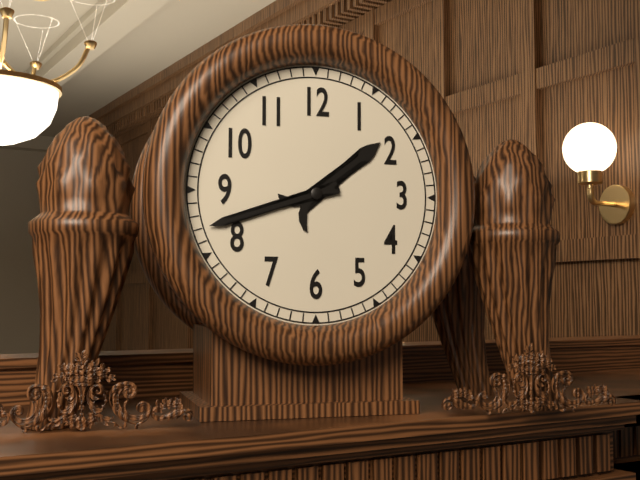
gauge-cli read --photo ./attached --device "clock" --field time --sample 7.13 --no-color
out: 1.42
